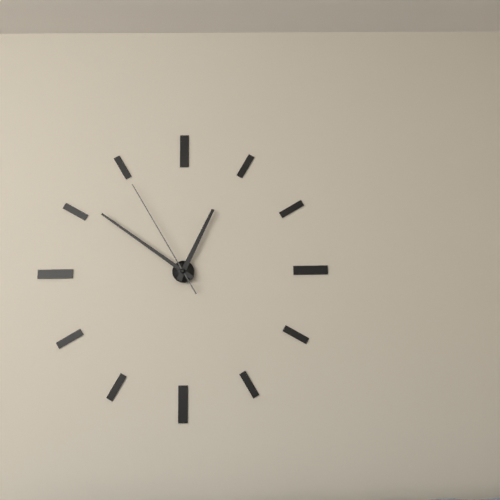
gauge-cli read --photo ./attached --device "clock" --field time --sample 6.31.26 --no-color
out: 12.51.55
